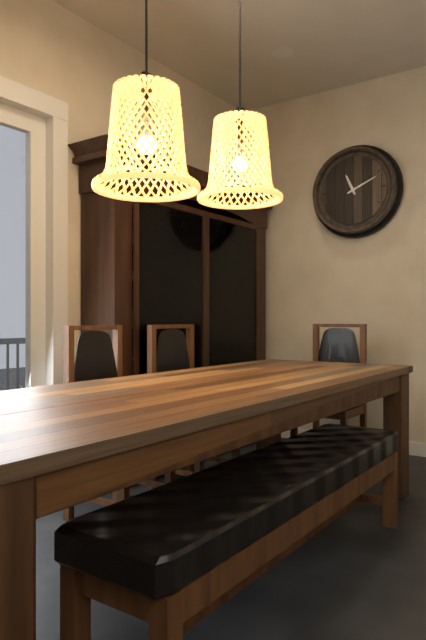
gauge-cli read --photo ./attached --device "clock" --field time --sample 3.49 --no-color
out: 11.11
